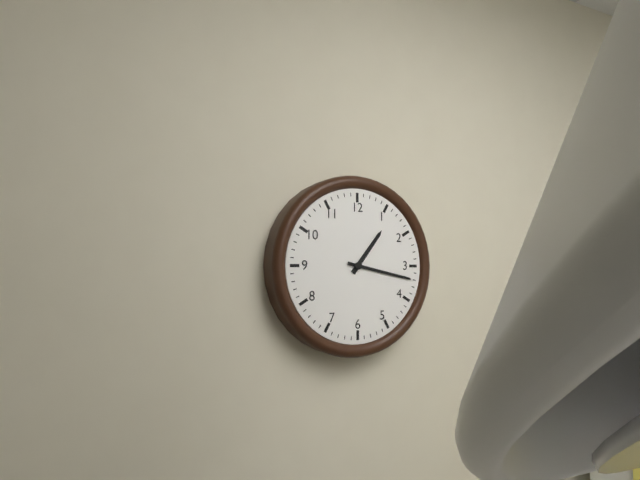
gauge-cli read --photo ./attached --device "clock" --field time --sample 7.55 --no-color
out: 1.17
